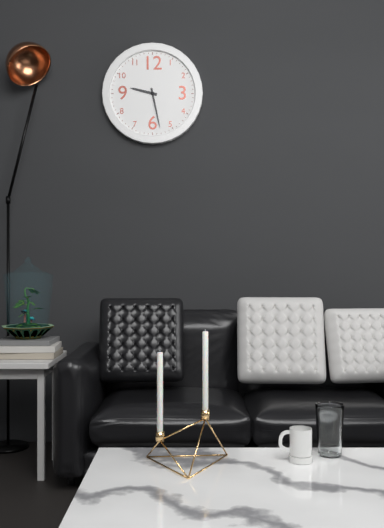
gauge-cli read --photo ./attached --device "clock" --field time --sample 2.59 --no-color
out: 9.28
